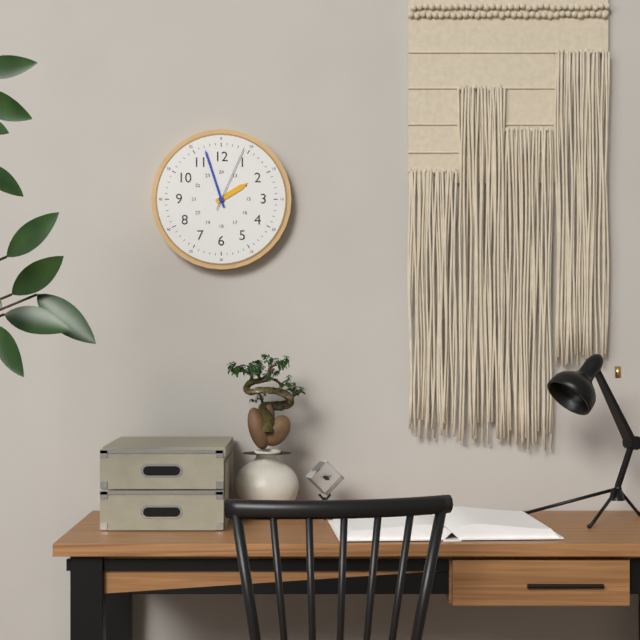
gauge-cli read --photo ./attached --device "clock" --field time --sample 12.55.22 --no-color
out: 1.57.04
